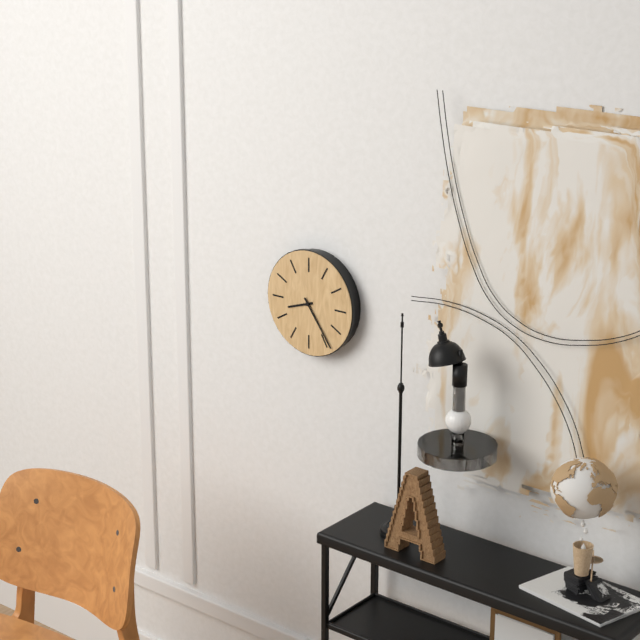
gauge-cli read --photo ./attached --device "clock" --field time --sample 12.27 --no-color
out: 8.24
